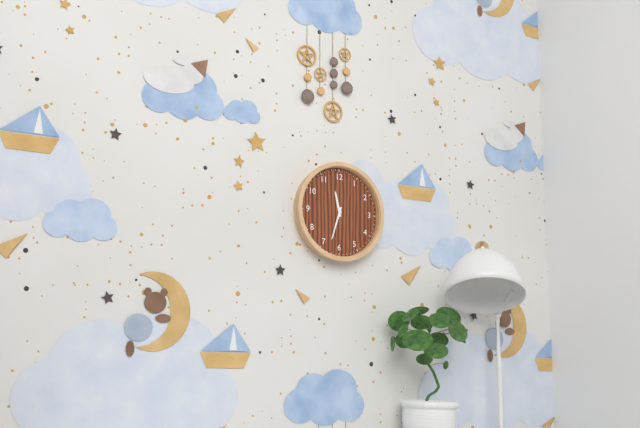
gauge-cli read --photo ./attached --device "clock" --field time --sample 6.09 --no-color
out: 11.33
